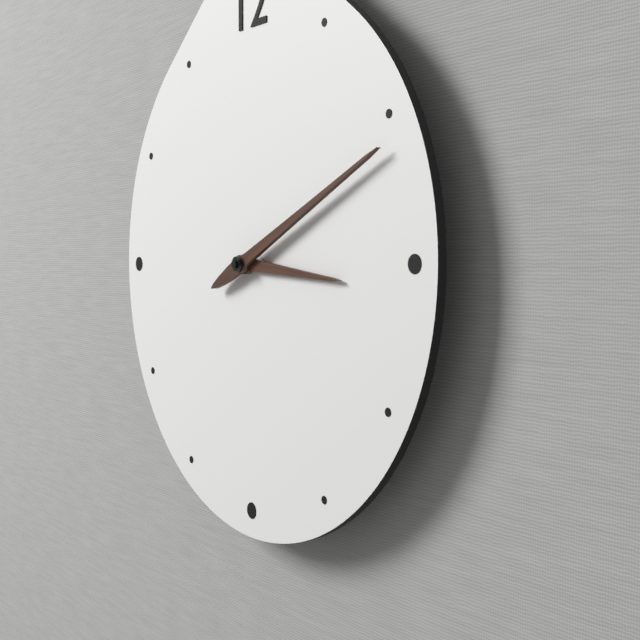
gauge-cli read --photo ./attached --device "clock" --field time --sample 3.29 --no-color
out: 3.11
